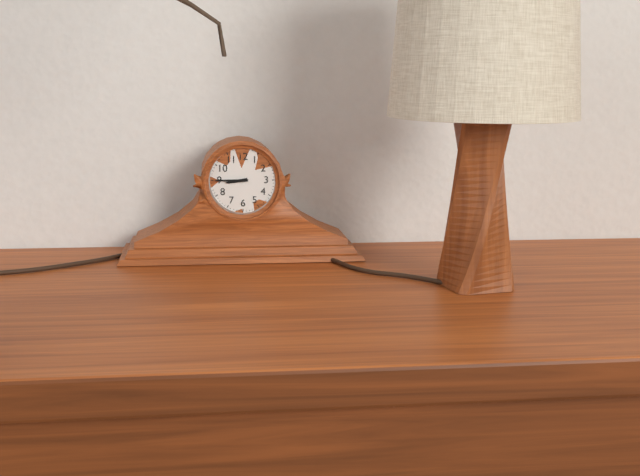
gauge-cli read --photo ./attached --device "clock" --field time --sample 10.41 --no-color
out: 8.45
